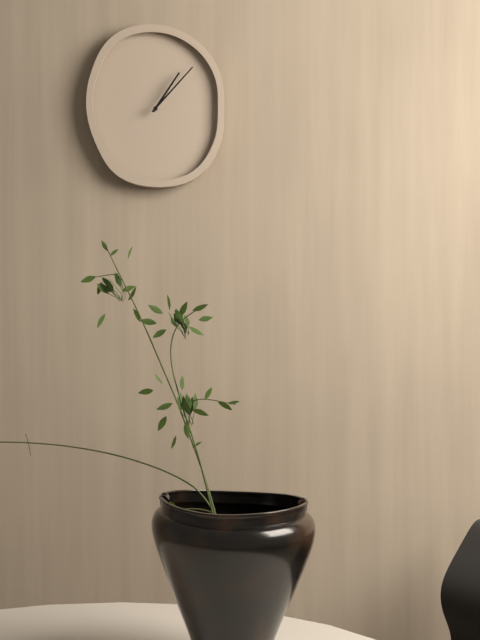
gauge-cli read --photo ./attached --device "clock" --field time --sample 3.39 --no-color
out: 1.07
